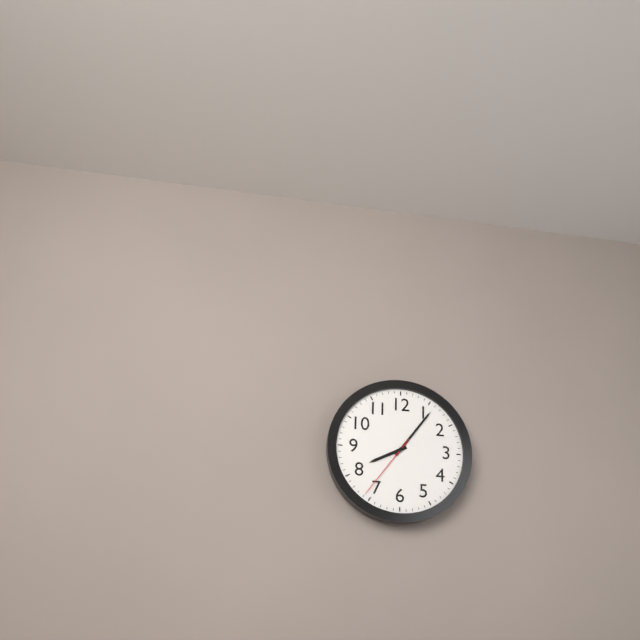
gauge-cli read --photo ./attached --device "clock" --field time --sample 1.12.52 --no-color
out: 8.06.36
